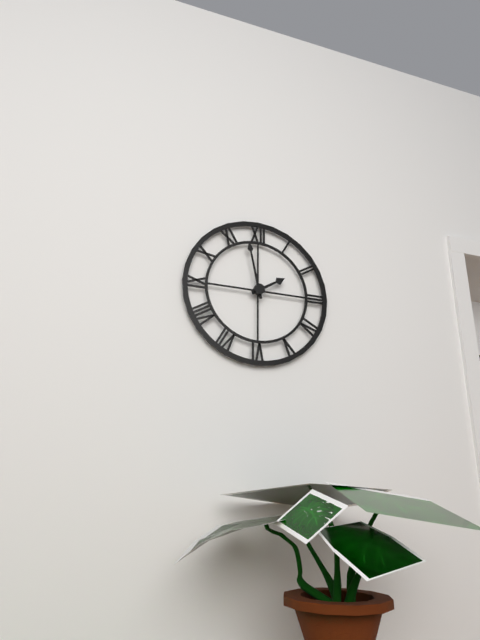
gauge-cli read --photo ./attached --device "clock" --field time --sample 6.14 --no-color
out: 1.58
